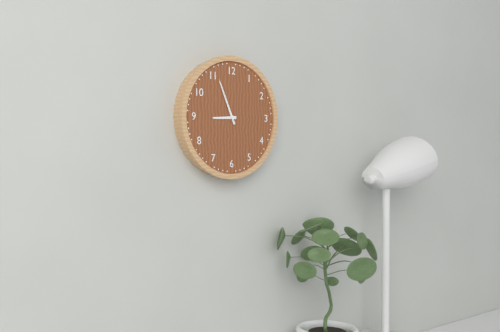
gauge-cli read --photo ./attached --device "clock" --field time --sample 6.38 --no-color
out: 8.56
